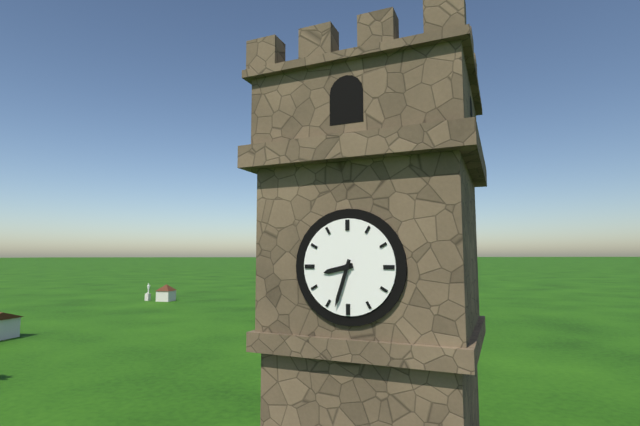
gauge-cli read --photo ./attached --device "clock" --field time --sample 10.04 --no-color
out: 8.33
